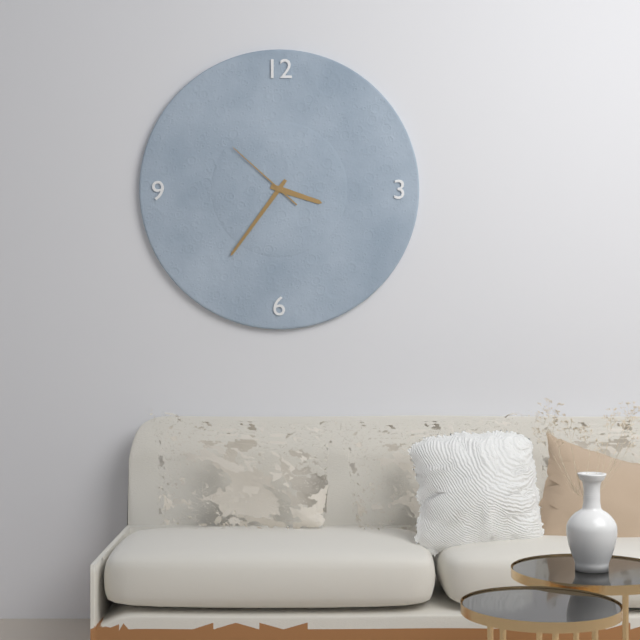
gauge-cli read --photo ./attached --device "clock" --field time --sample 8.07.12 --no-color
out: 3.36.52
